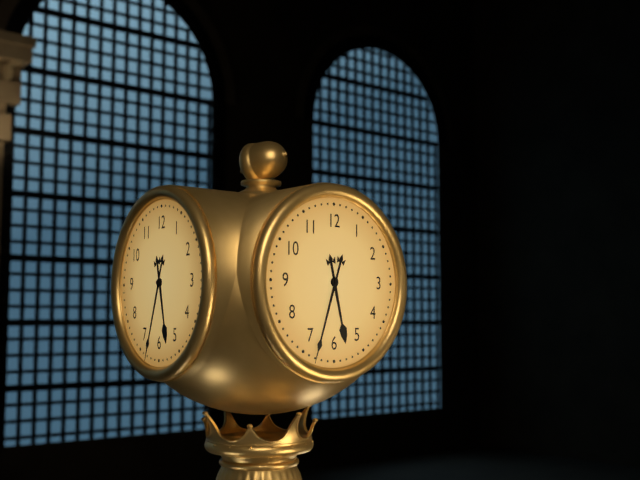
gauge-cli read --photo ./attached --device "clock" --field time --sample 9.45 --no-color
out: 5.33
